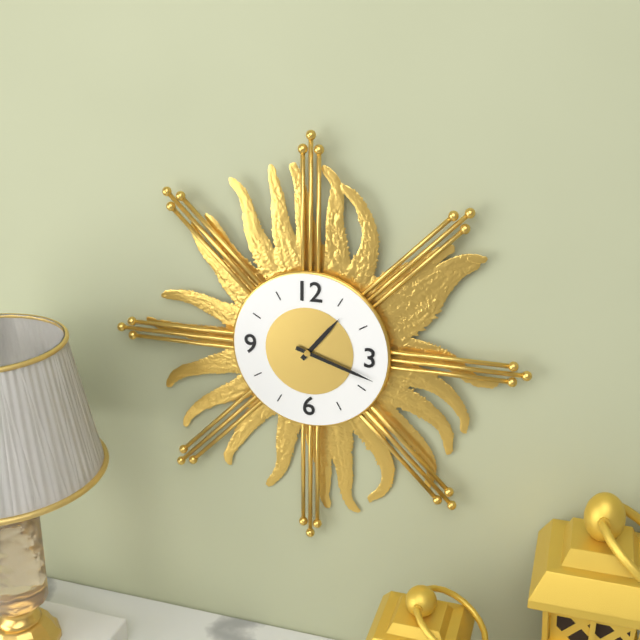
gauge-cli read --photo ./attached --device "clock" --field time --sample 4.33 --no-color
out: 1.18
